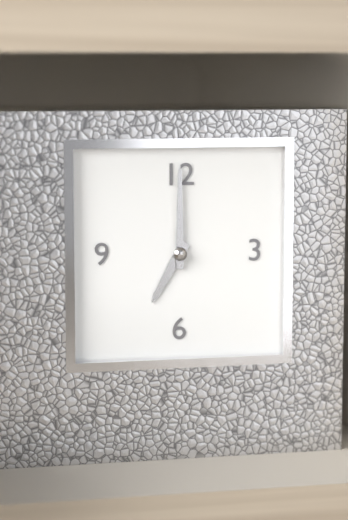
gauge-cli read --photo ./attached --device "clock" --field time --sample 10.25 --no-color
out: 7.00
